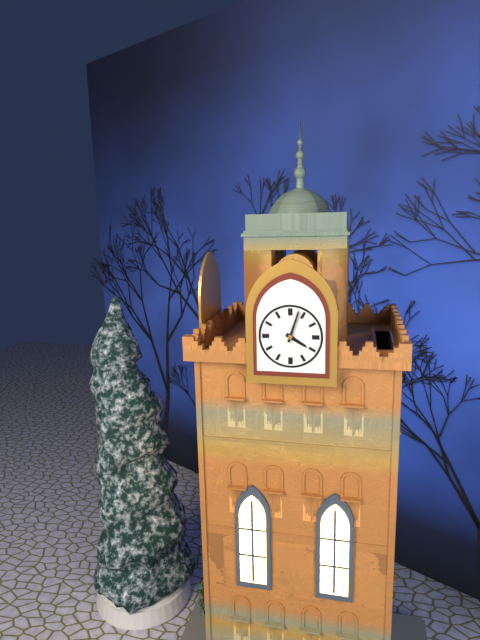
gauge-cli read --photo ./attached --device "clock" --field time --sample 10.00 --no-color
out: 4.03
